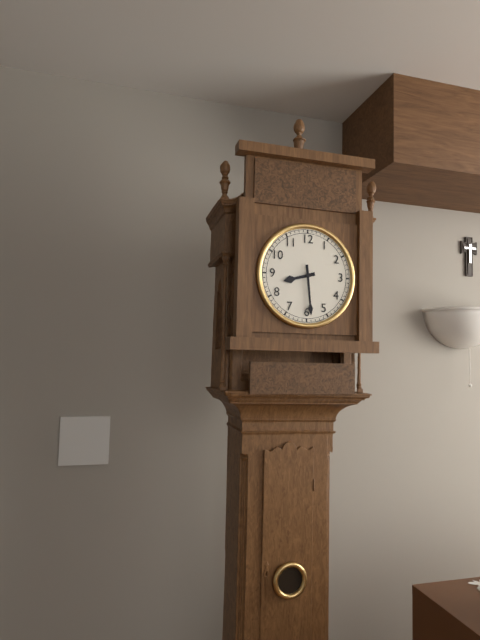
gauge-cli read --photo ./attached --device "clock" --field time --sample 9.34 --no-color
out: 8.29
